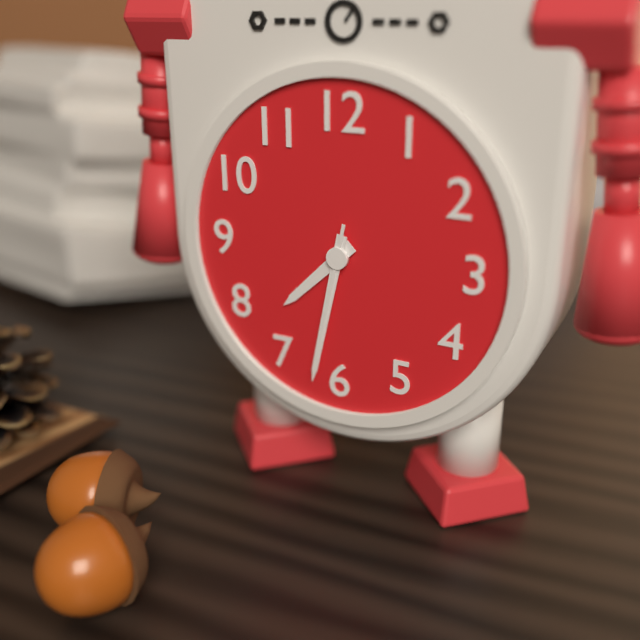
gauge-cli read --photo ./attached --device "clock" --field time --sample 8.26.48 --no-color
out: 7.32.32
